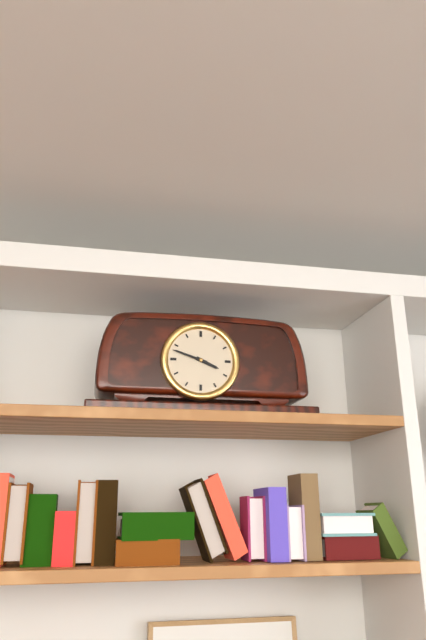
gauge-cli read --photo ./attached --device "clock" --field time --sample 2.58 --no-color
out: 3.48
